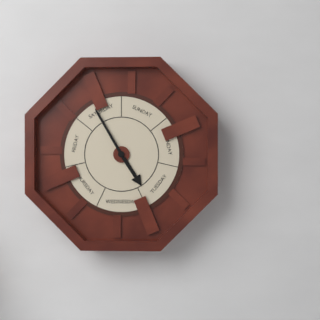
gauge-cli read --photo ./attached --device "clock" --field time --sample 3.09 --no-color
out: 4.55
